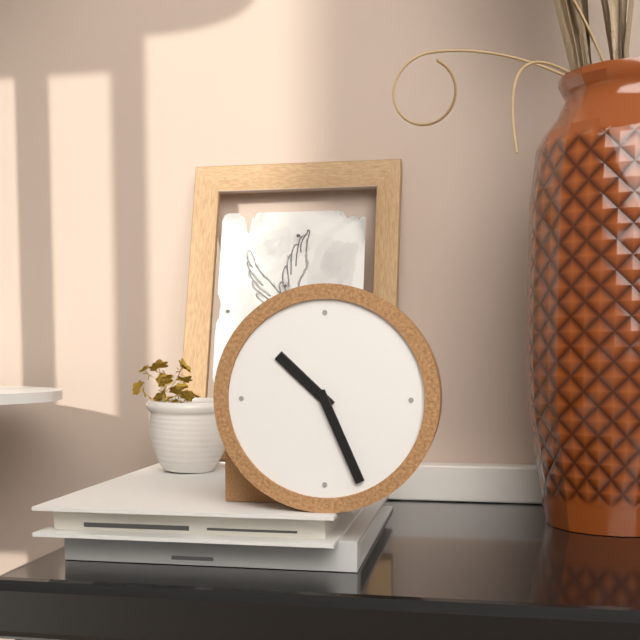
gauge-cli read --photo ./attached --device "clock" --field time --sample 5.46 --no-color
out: 10.26
